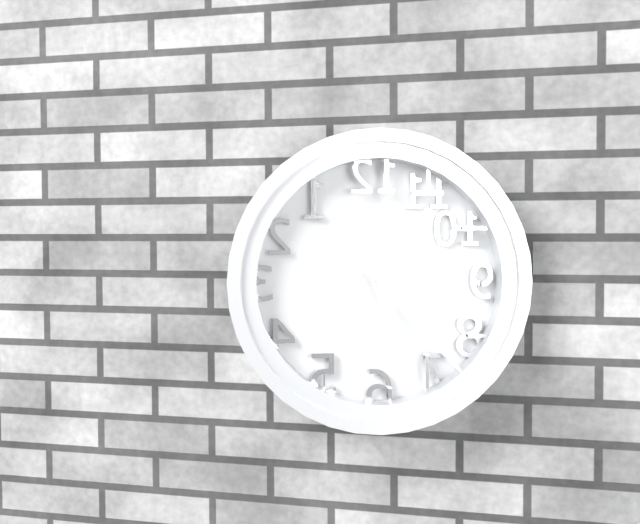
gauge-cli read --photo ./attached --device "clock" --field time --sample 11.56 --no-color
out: 5.23
